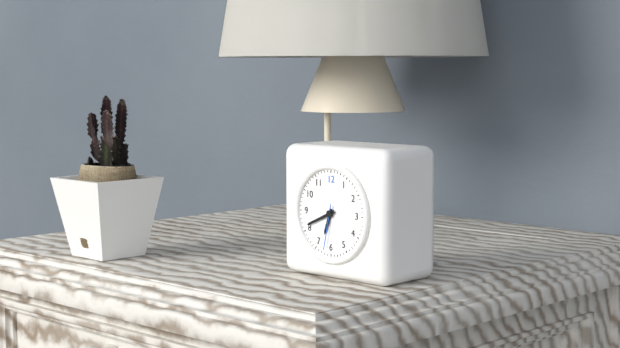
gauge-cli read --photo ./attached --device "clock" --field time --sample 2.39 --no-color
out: 6.41
